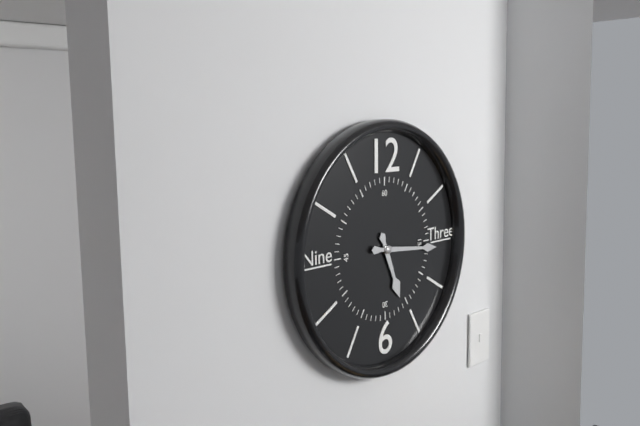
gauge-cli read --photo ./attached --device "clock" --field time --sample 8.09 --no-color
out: 5.16
